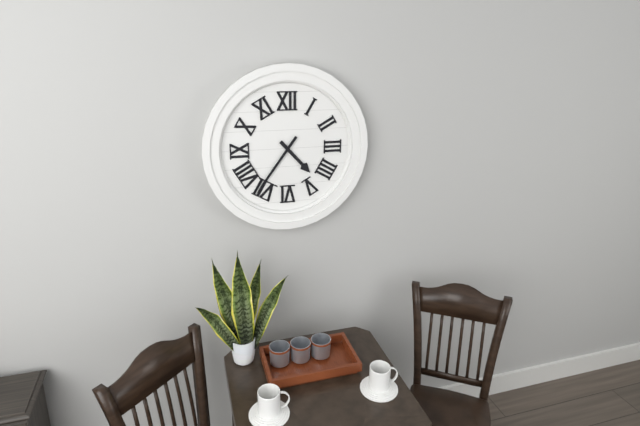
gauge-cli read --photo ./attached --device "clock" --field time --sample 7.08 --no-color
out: 4.36
